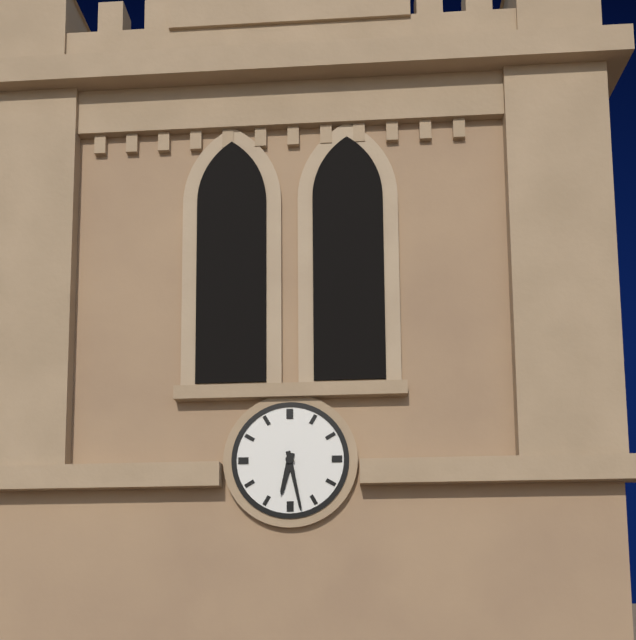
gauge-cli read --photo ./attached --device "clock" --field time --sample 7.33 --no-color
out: 6.28
